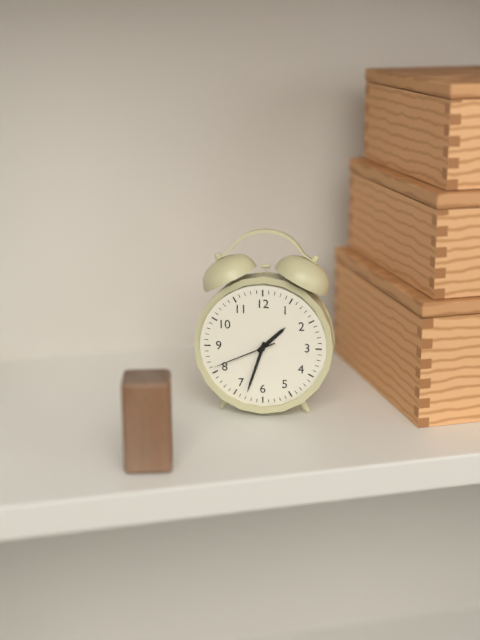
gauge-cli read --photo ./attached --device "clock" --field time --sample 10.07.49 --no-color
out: 1.33.41
